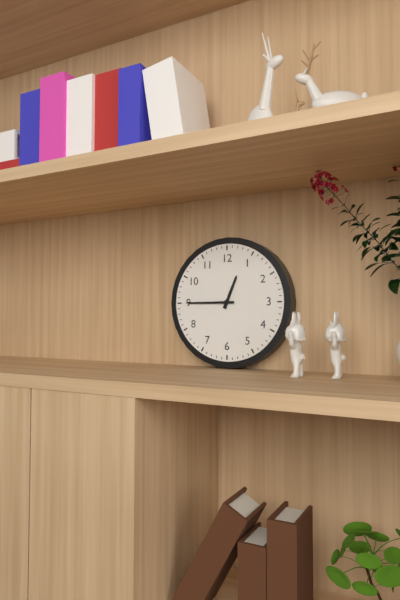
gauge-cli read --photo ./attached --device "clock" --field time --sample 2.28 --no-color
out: 12.45
